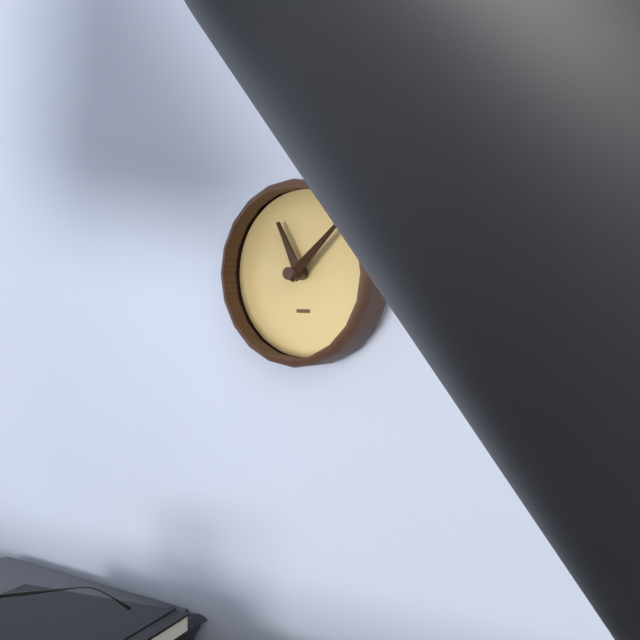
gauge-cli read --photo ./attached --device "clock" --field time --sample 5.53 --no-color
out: 11.08
